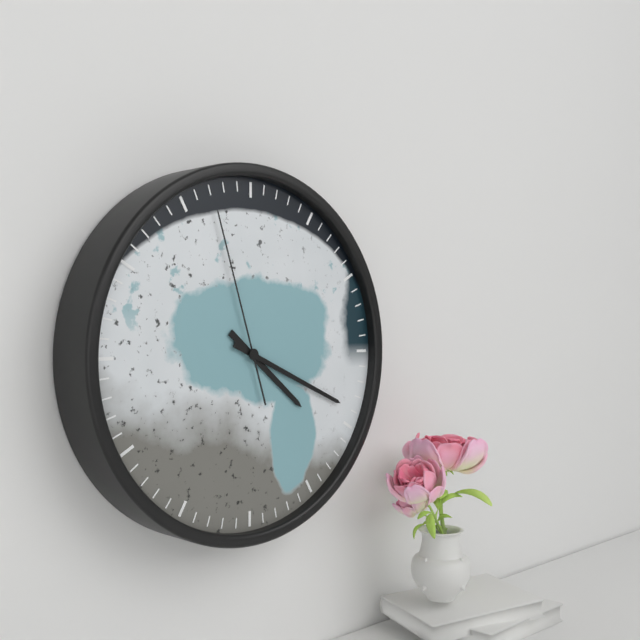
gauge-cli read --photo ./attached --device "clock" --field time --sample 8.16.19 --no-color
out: 4.19.57
